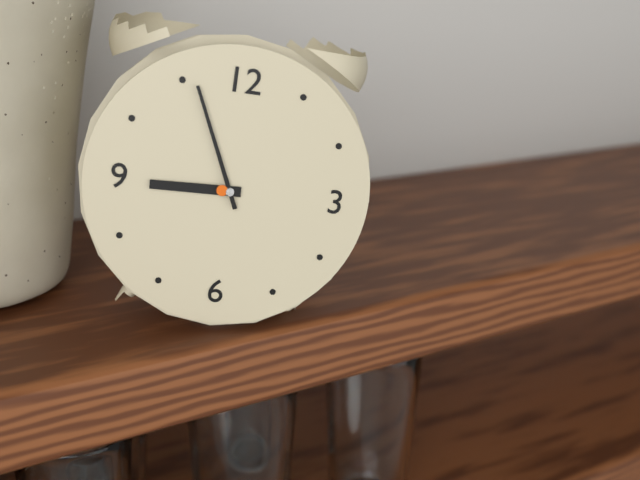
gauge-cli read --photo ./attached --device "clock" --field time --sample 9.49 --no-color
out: 8.56
